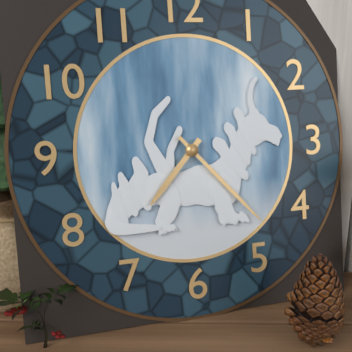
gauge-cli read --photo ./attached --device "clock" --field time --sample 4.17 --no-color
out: 7.23
